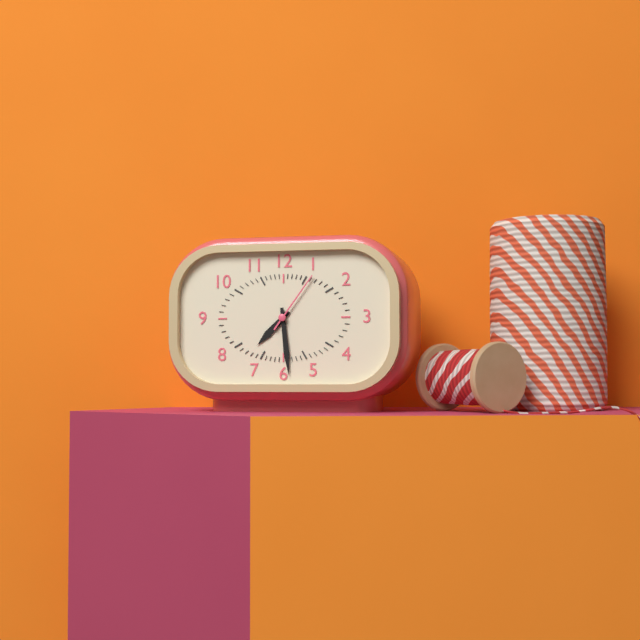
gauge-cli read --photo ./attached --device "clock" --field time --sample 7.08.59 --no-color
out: 7.29.06
